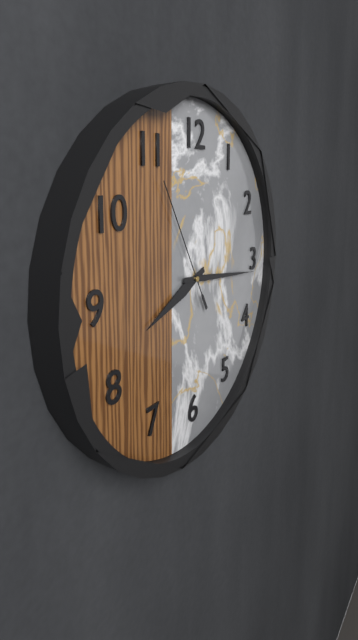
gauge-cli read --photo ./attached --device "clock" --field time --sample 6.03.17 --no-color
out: 8.16.55
